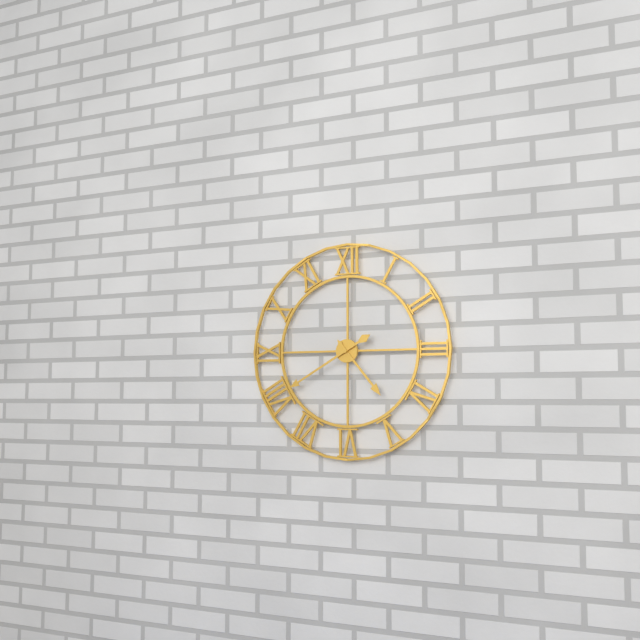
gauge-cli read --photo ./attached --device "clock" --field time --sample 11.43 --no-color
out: 4.40
